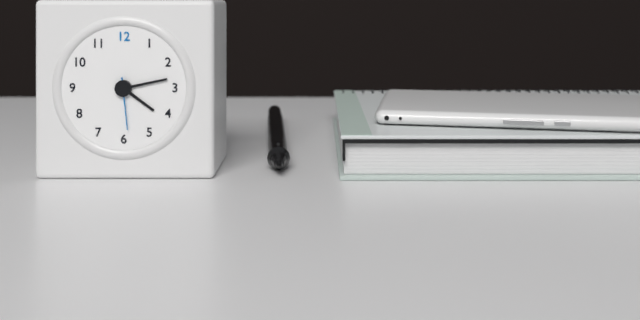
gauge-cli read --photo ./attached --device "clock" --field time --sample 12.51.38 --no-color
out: 4.13.29
